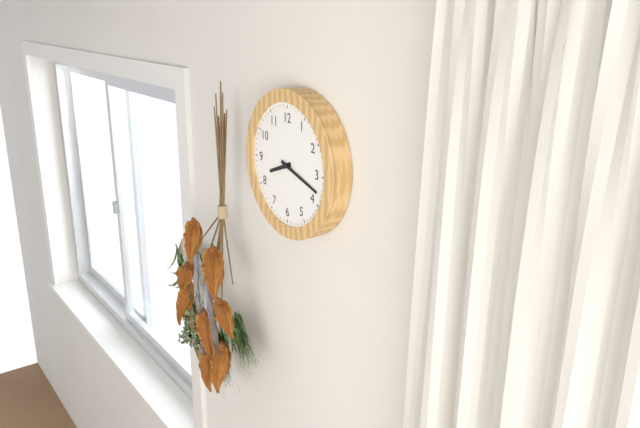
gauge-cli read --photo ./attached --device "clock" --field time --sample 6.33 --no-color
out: 8.18
